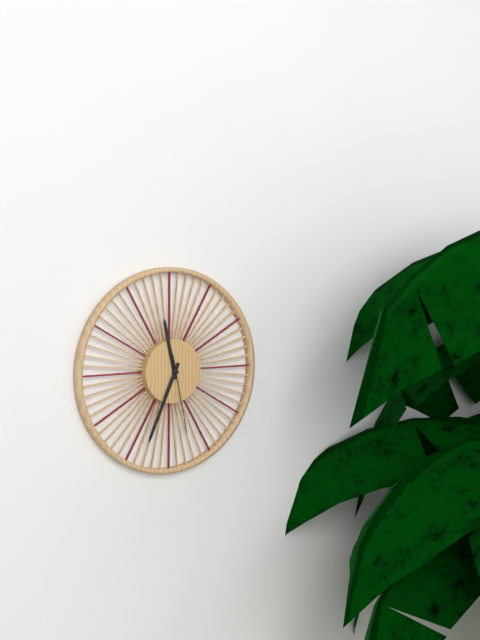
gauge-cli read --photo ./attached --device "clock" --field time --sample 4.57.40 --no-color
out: 11.34.28
